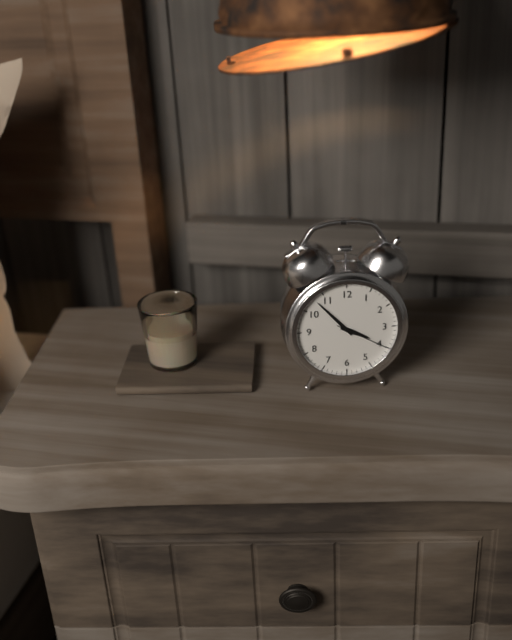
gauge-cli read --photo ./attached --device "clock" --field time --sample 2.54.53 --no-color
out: 3.53.20
